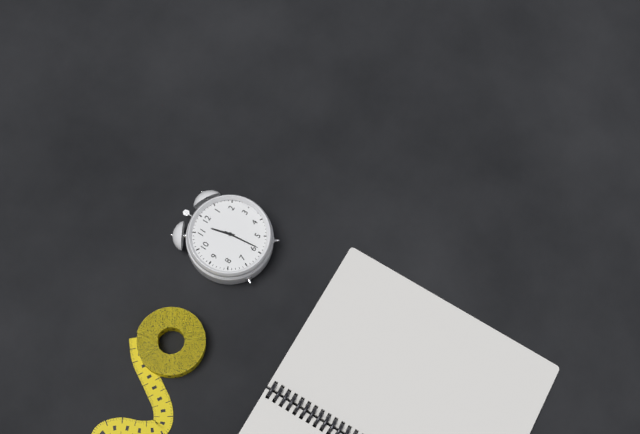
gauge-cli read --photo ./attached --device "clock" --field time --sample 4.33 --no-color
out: 11.29
